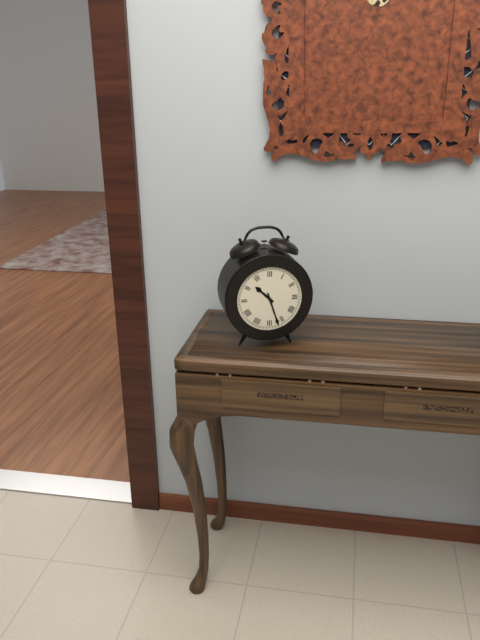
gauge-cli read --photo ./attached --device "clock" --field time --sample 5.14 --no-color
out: 10.27
